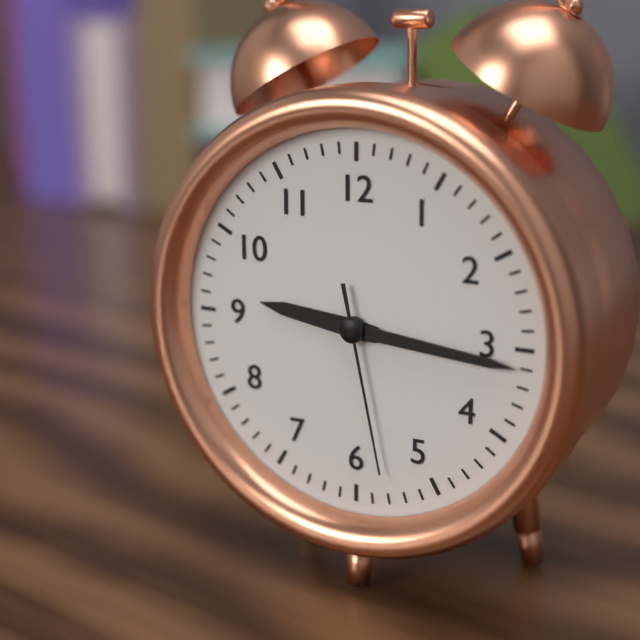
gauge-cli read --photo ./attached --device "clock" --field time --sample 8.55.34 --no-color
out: 9.16.28
